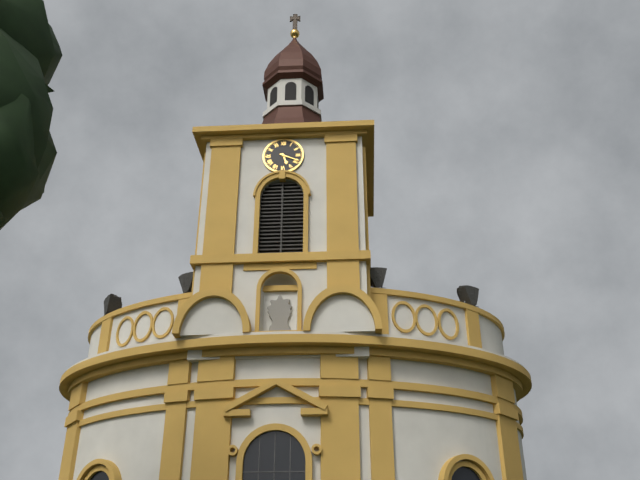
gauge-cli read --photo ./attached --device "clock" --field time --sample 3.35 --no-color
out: 5.19
